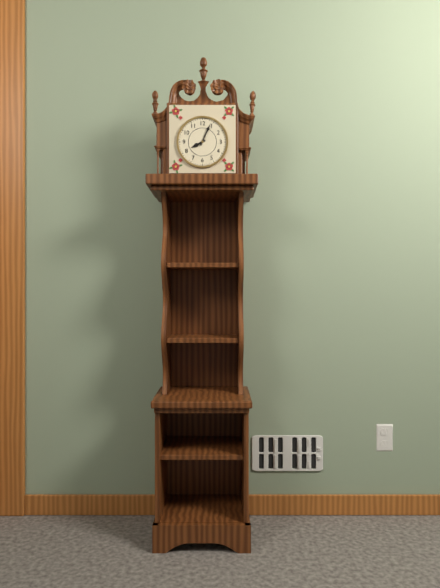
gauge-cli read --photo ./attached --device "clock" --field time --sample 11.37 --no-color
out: 8.04
